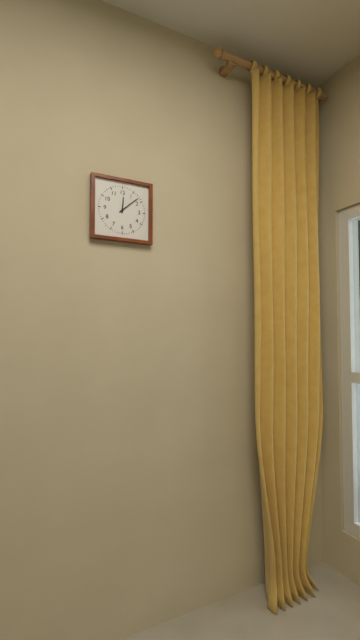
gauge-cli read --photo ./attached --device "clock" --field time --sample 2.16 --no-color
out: 12.08
